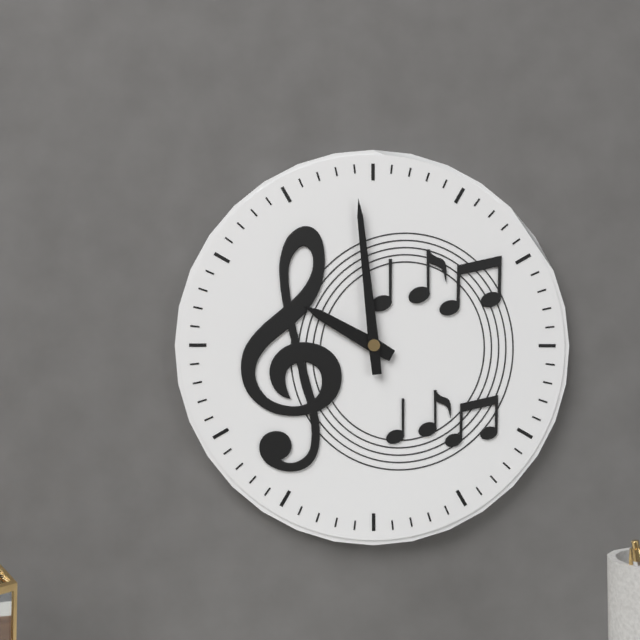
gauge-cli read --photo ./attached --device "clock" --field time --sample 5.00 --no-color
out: 9.59
